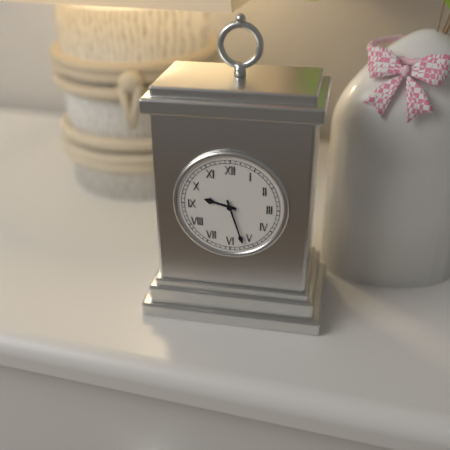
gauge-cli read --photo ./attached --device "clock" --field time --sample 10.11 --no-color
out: 9.27
